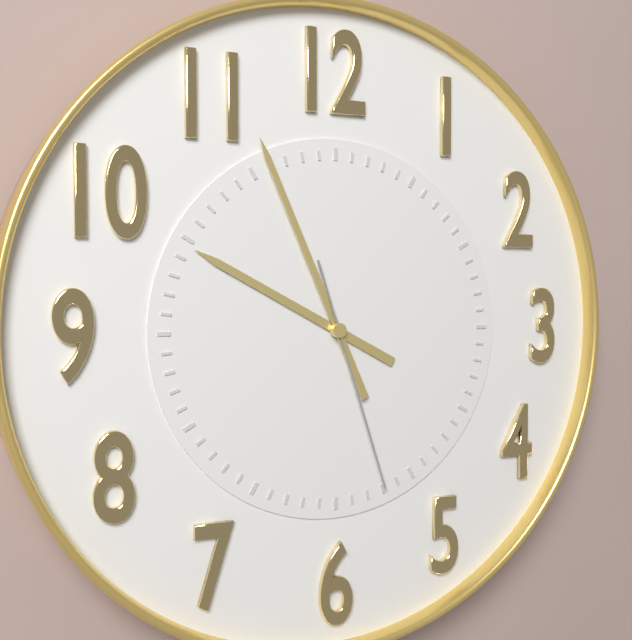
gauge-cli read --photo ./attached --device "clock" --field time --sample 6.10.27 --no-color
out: 9.56.27
